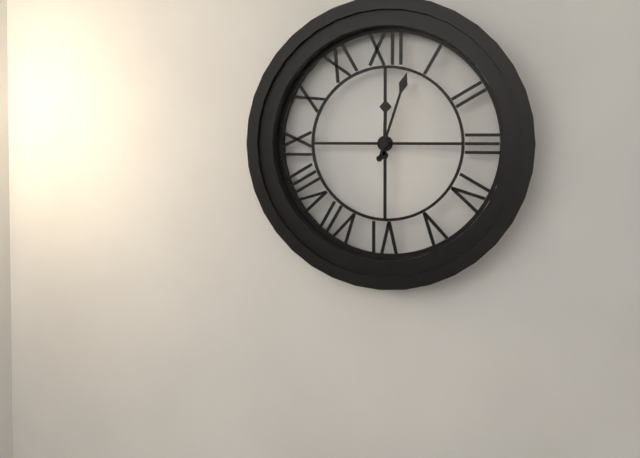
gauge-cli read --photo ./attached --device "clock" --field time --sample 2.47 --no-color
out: 12.03
